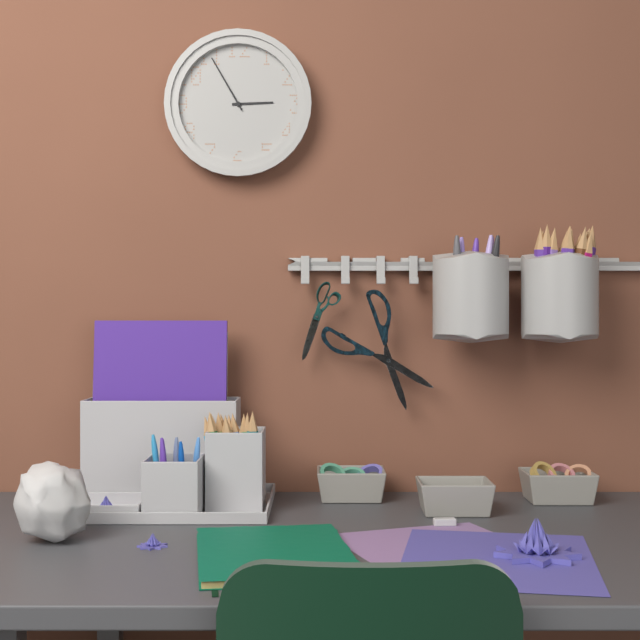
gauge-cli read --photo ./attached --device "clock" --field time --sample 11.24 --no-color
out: 2.55
